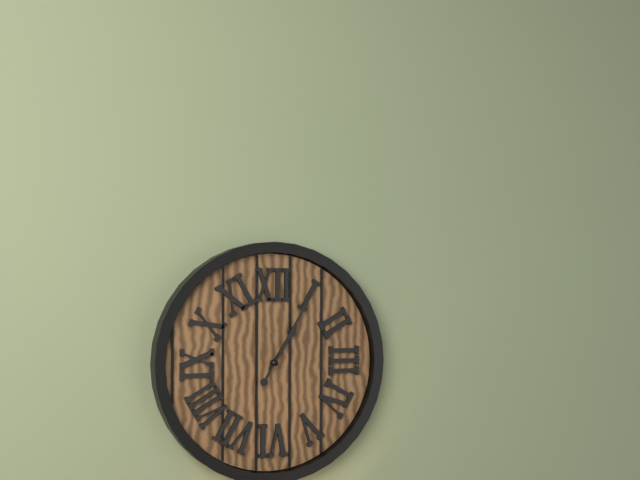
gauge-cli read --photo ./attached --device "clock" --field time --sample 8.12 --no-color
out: 1.05
